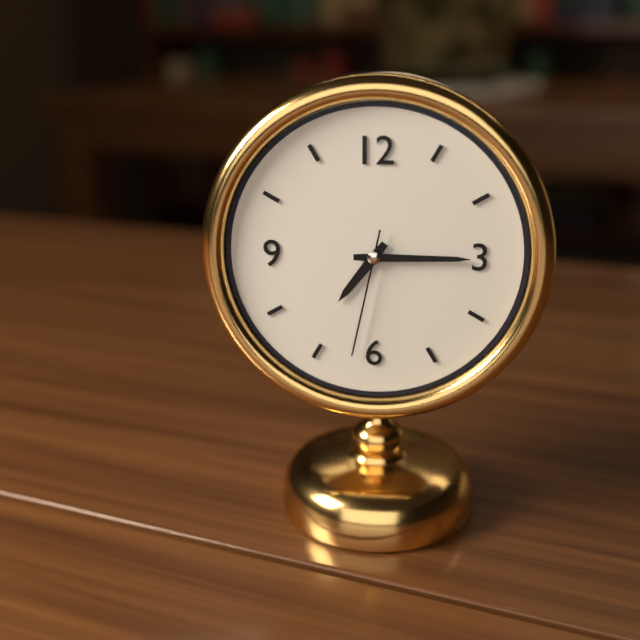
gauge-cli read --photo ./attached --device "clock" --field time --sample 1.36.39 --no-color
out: 7.15.32
